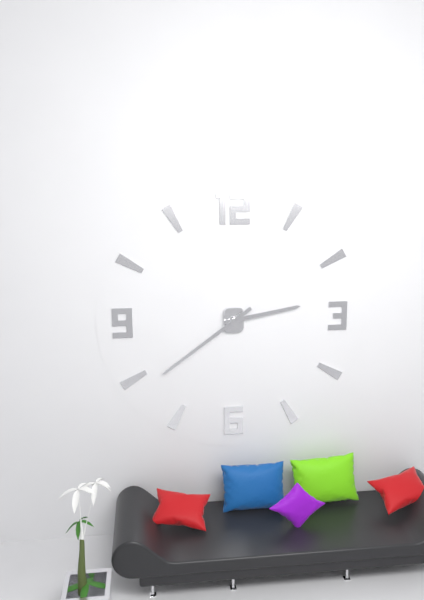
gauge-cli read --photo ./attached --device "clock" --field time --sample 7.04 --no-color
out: 2.39
